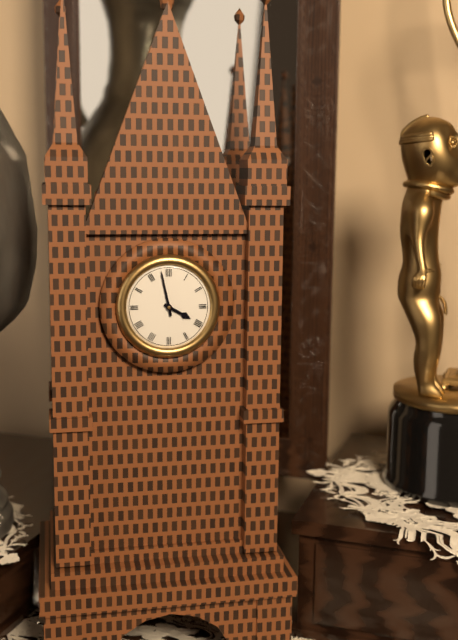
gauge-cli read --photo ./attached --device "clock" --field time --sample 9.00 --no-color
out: 3.58
